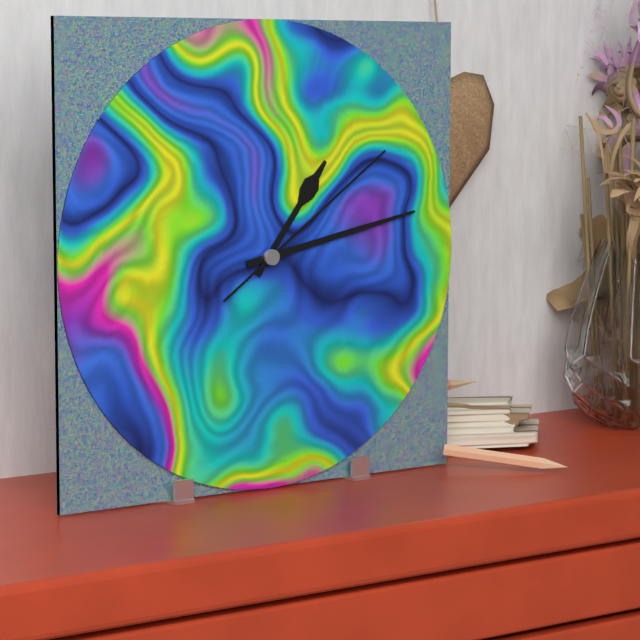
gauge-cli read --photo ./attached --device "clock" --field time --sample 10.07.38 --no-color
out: 1.13.09
